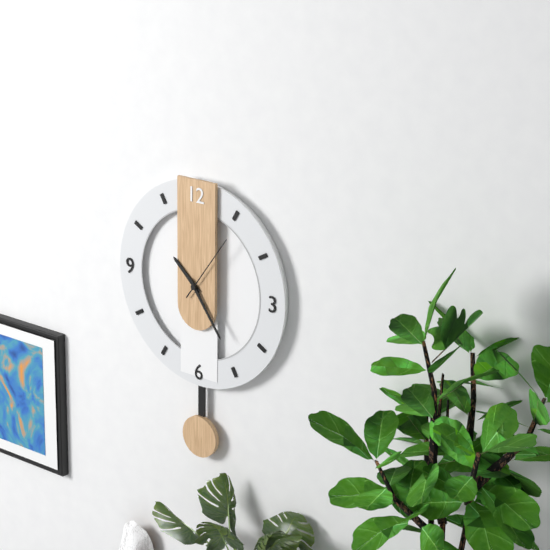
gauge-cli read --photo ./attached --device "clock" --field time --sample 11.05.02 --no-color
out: 10.24.06
